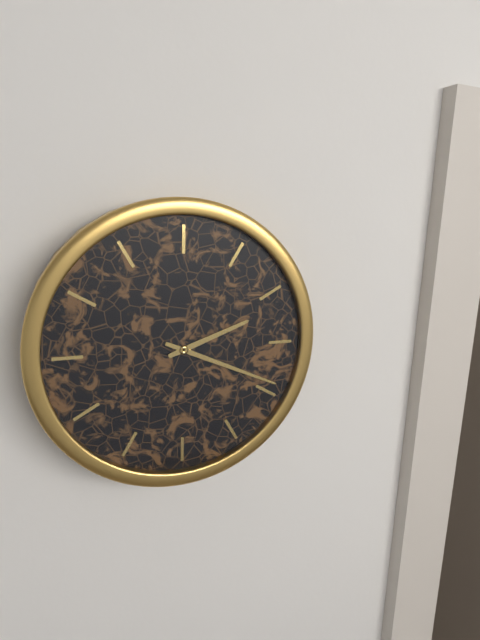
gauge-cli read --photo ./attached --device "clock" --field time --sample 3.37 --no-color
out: 2.19
